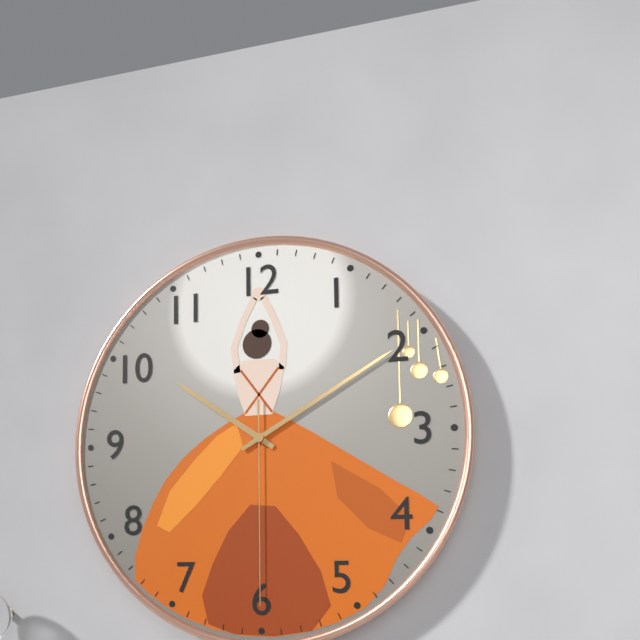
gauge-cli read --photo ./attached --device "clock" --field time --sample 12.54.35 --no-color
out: 10.10.30
